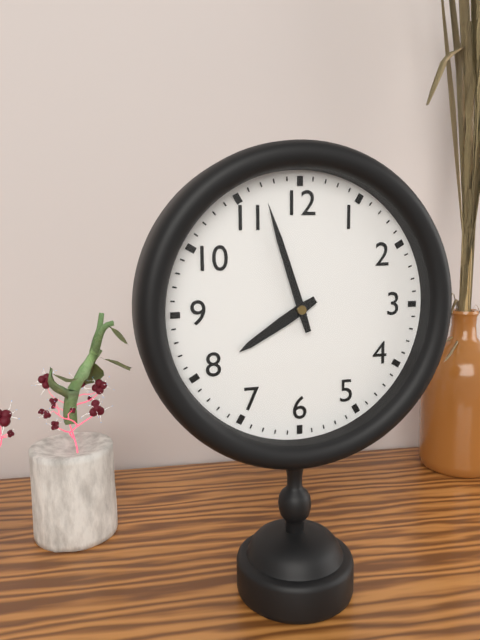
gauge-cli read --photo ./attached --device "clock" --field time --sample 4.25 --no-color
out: 7.57
